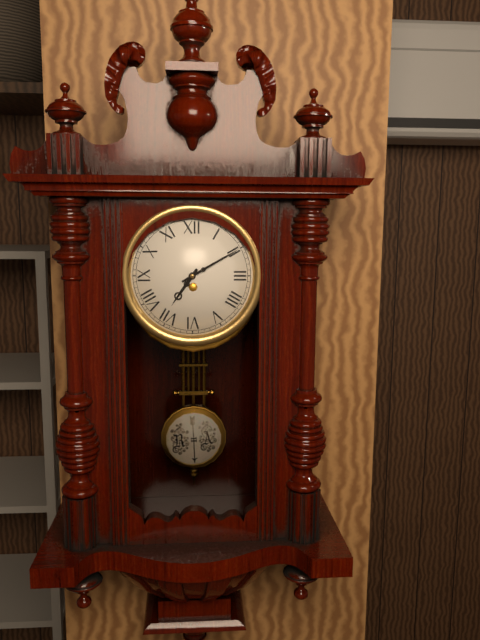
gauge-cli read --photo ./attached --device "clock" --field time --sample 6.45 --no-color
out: 7.10
